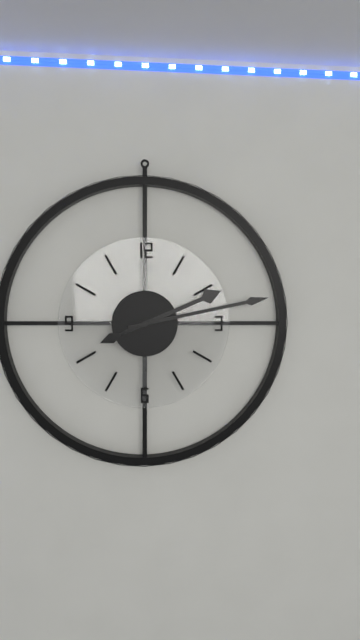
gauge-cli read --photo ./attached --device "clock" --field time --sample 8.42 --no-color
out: 2.13
